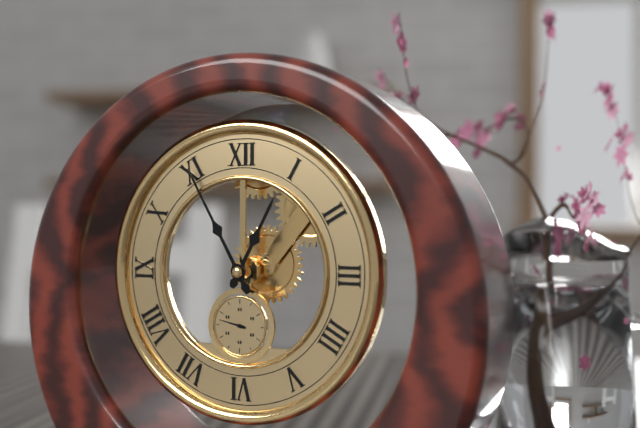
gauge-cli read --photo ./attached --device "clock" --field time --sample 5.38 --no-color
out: 12.55
